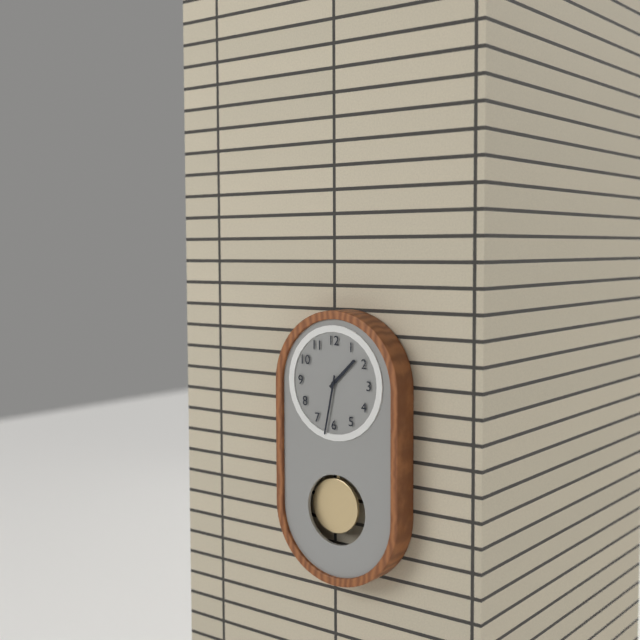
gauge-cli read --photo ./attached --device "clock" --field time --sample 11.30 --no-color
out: 1.32
